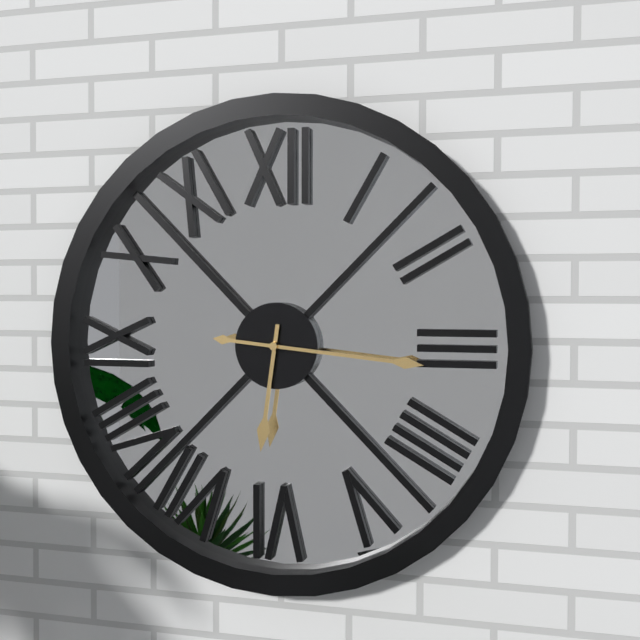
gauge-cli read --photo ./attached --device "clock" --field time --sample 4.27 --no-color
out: 6.16
